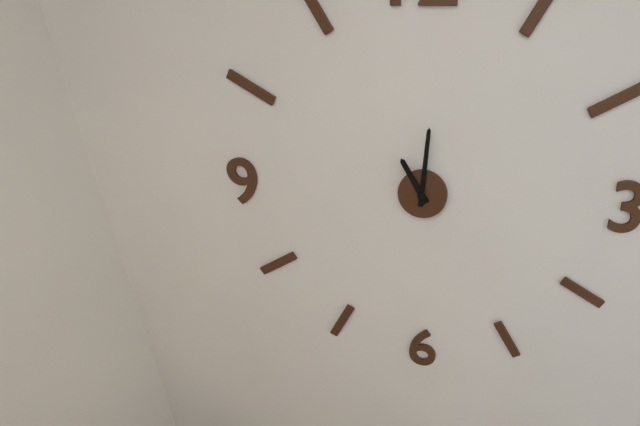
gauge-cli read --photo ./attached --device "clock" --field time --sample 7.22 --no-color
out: 11.01
